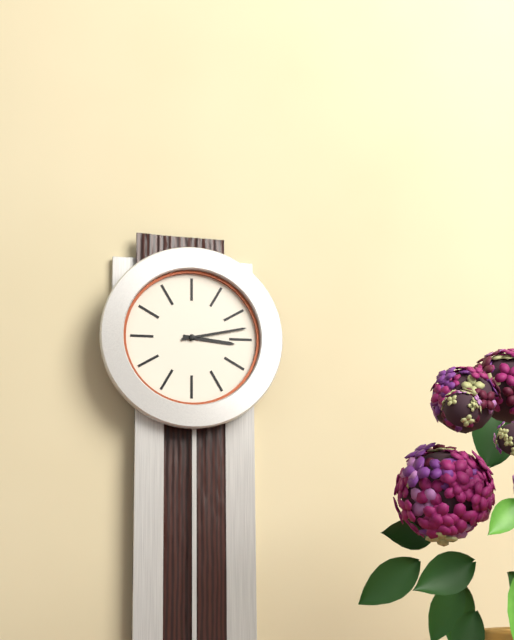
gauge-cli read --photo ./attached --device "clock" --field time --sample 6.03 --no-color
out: 3.13
